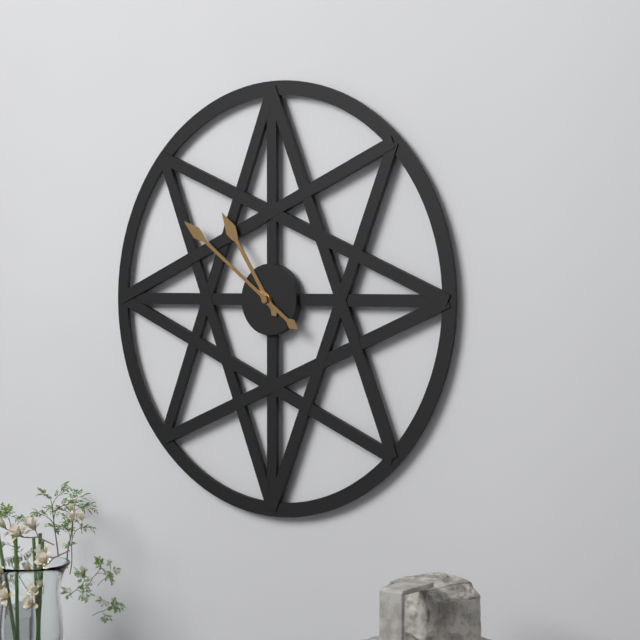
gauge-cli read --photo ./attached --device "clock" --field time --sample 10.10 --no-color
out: 10.51
